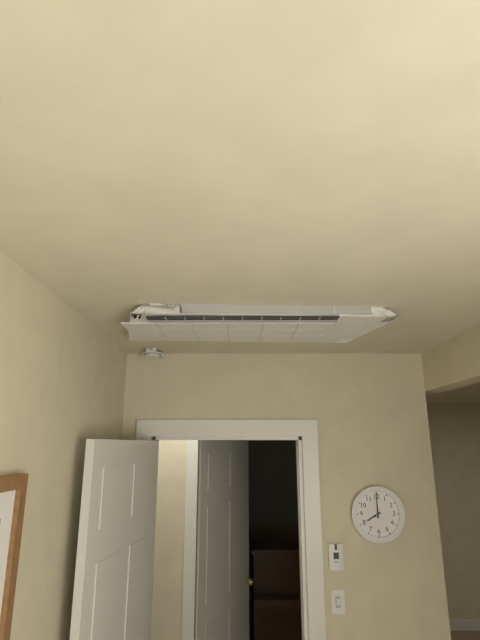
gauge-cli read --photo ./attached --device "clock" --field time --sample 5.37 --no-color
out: 8.00
